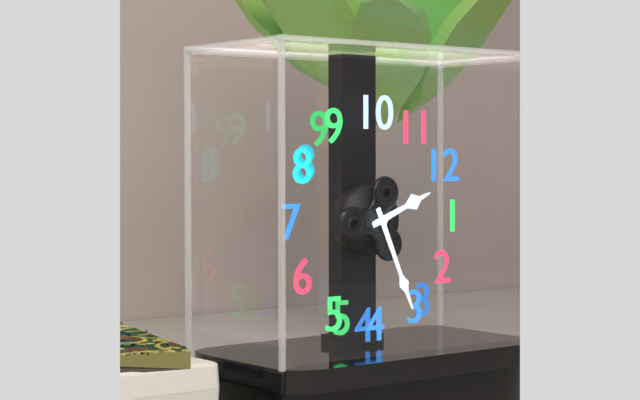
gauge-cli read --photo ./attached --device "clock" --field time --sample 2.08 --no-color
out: 12.16
